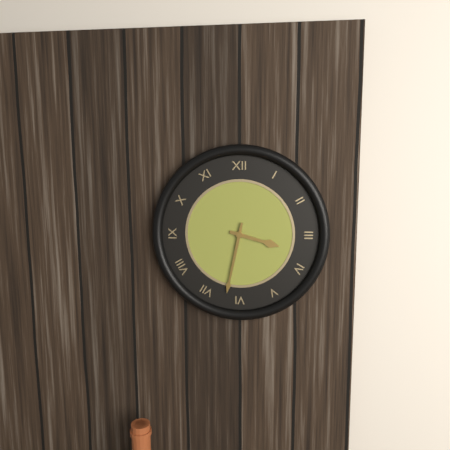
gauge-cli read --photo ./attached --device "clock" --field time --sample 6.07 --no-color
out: 3.32
